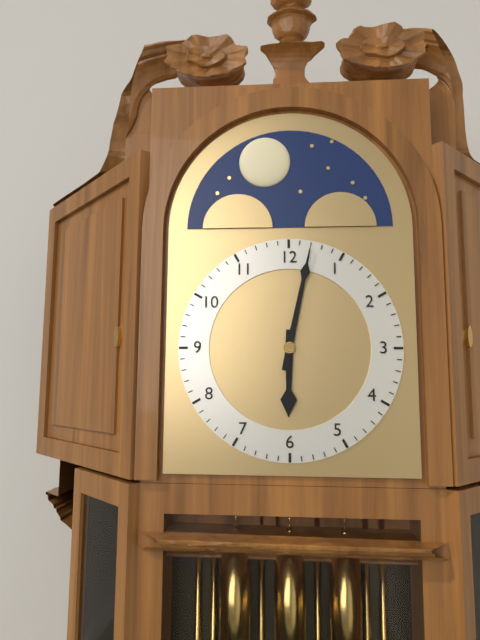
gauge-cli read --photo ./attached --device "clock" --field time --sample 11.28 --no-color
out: 6.02
